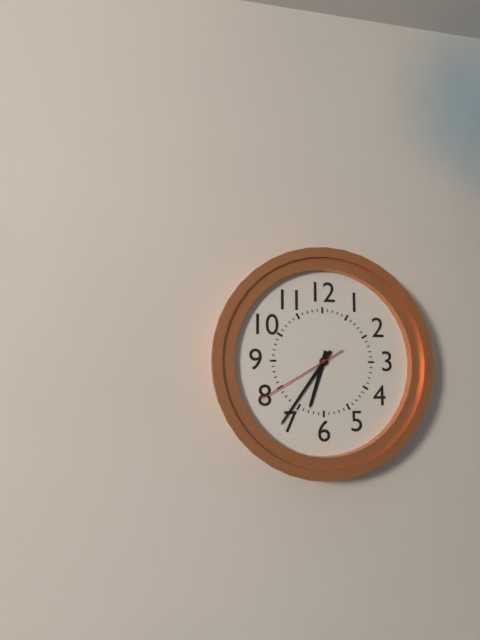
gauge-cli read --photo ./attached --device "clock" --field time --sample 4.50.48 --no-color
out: 6.36.40
